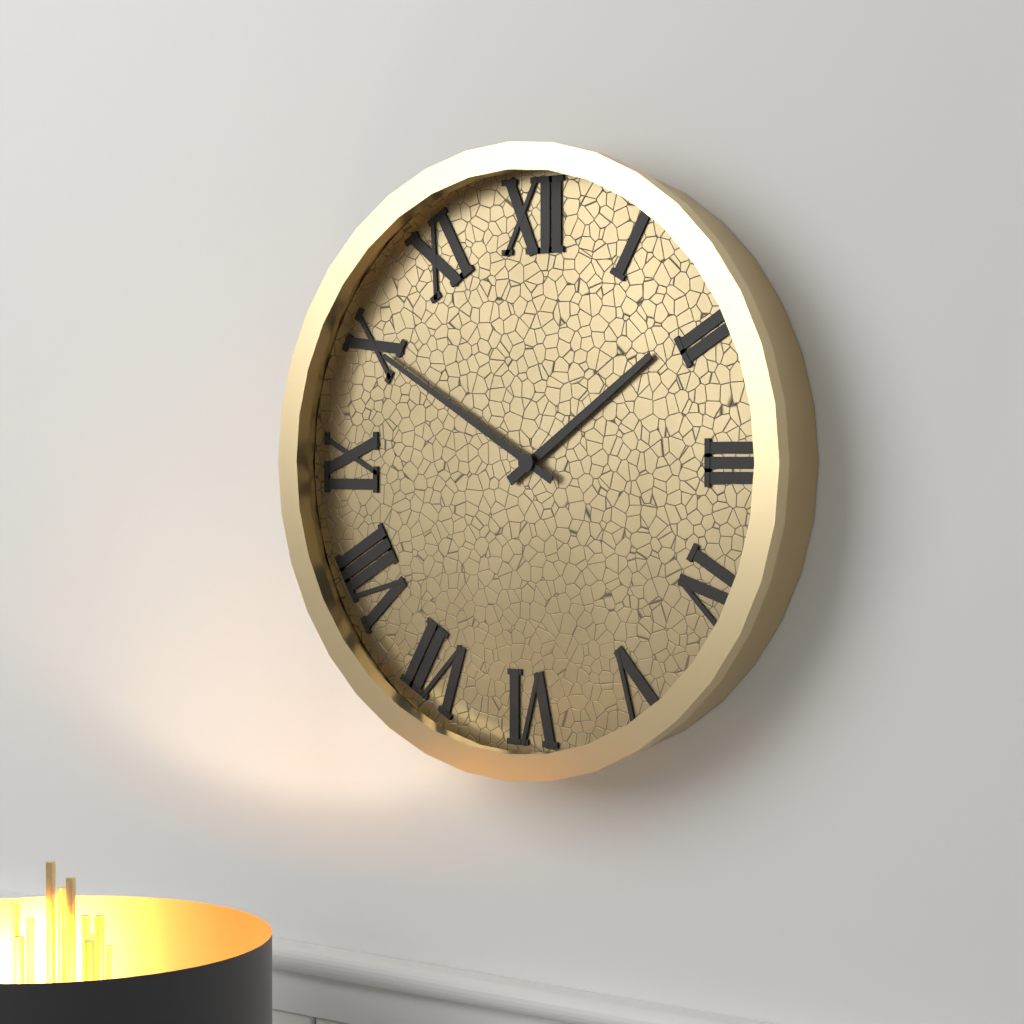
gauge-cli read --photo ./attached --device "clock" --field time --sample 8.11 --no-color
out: 1.50
